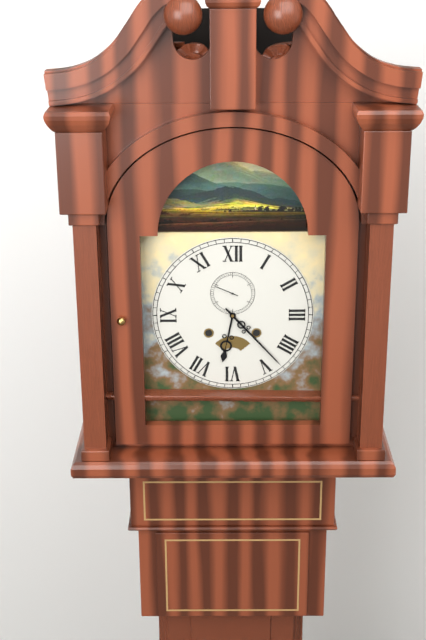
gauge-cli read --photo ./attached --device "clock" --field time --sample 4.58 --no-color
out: 6.23
